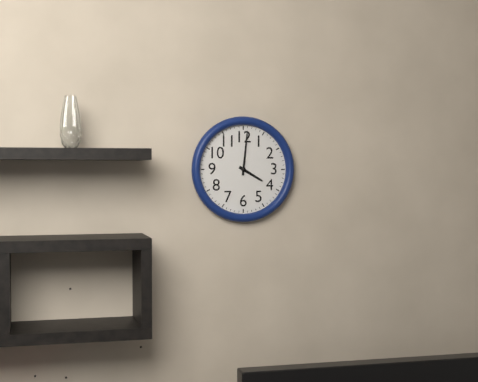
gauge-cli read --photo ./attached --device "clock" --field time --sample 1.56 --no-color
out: 4.01
